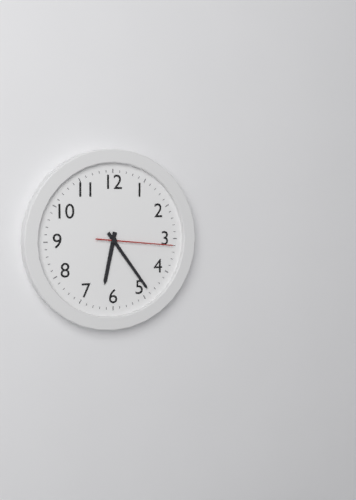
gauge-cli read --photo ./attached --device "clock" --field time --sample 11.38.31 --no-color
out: 6.24.16
